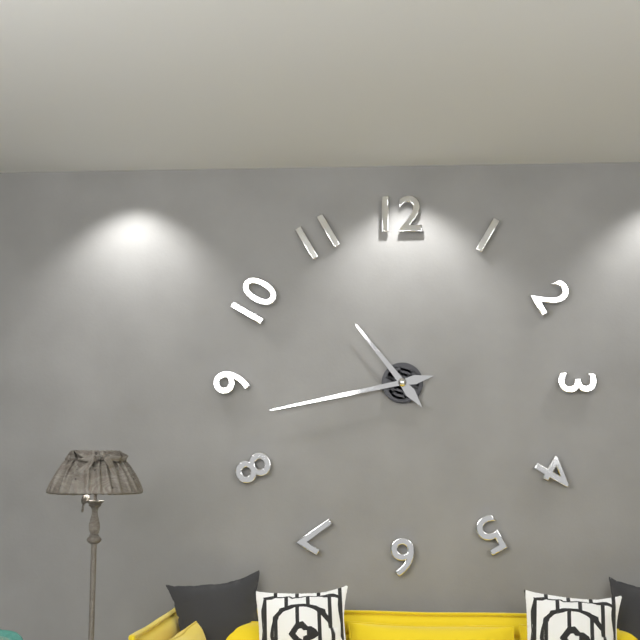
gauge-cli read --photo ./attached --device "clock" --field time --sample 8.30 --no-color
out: 10.43
